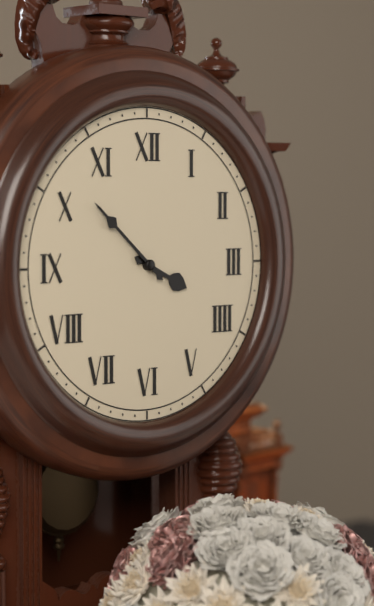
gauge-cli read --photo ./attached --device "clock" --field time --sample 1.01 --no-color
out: 3.52
